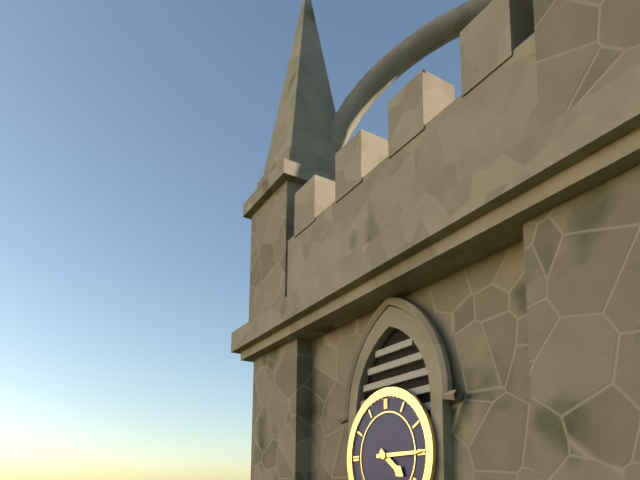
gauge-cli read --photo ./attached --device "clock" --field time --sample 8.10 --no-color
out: 4.15
